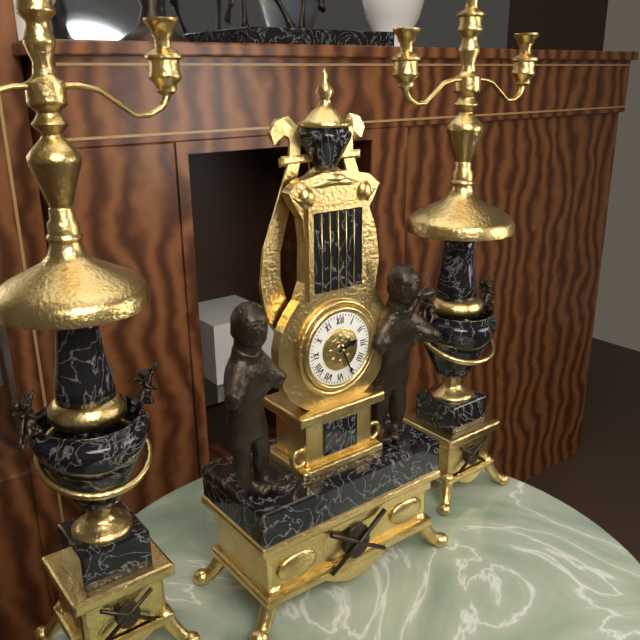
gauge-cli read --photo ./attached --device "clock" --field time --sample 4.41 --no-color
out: 2.26
